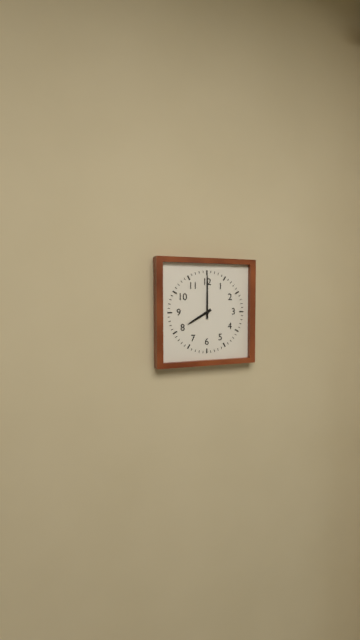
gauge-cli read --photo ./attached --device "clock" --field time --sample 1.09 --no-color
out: 8.00
